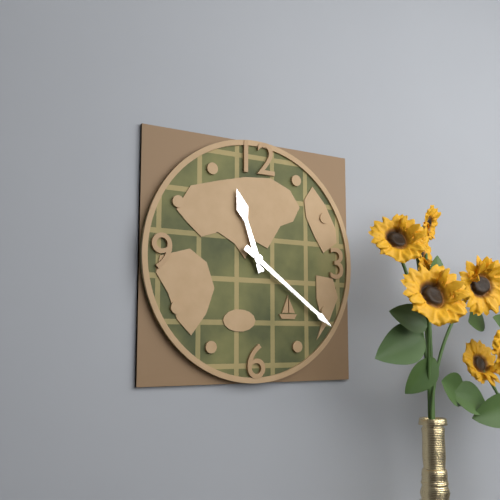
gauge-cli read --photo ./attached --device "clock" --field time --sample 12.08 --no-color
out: 11.21
